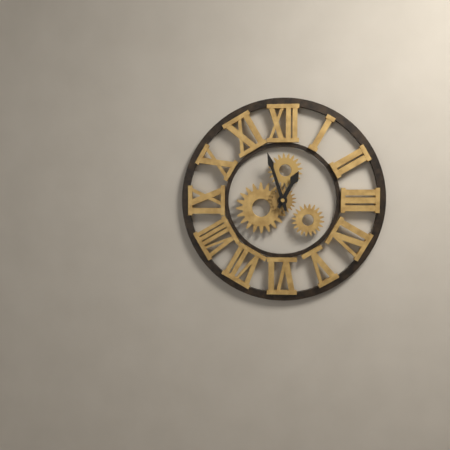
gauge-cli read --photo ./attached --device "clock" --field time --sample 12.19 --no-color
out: 12.57
